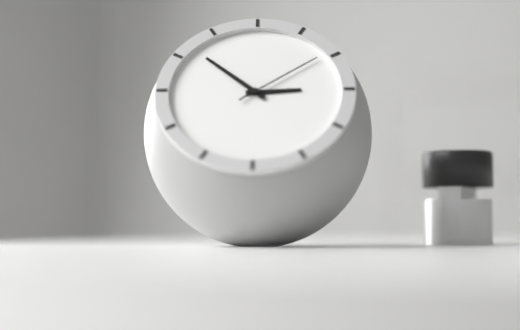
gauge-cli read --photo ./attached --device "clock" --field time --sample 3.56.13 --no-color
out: 2.52.09
